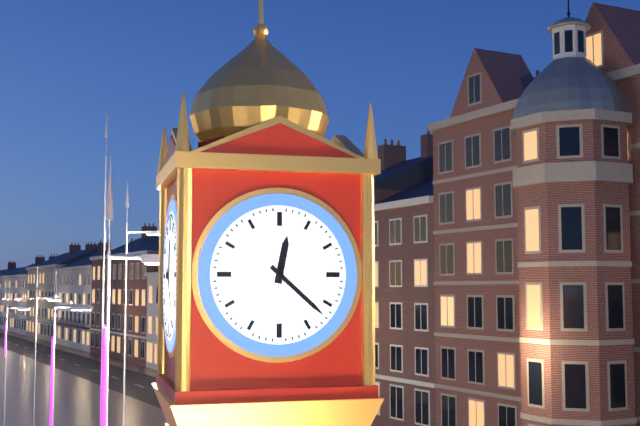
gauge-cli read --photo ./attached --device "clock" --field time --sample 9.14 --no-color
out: 12.22
